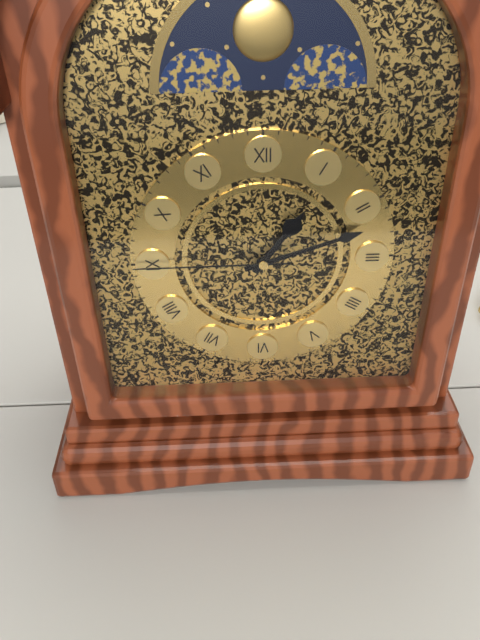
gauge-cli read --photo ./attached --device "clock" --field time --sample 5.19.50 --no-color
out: 1.12.45
